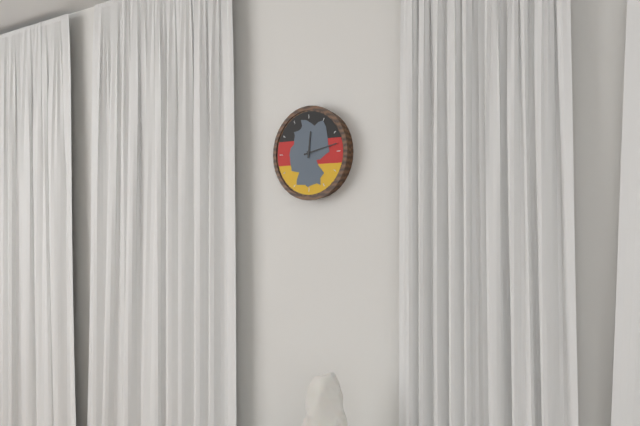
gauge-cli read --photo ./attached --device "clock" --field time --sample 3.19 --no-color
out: 12.13
